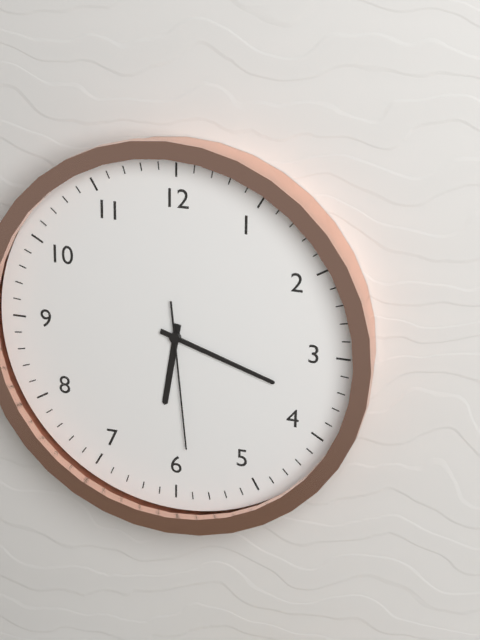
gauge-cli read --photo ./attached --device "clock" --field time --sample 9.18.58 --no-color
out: 6.18.29
